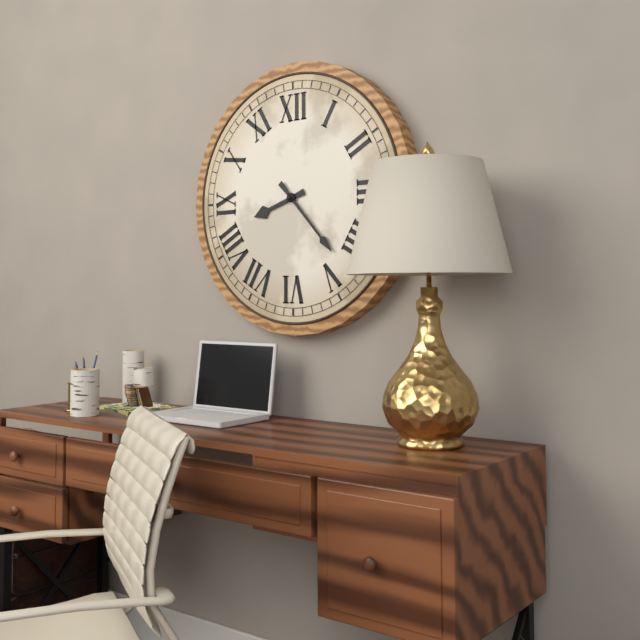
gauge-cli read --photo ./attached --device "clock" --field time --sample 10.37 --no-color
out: 8.23
